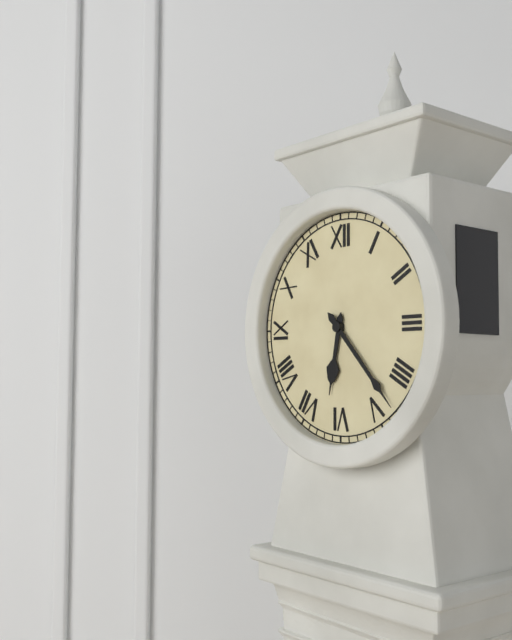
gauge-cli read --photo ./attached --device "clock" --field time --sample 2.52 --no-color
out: 6.23
